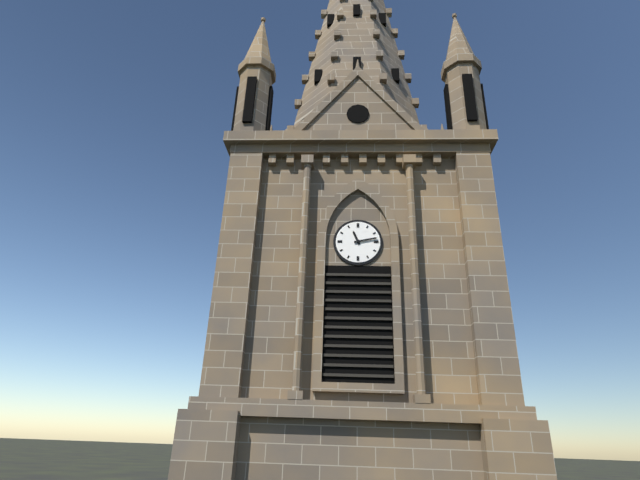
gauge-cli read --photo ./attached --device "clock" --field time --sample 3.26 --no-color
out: 11.13
